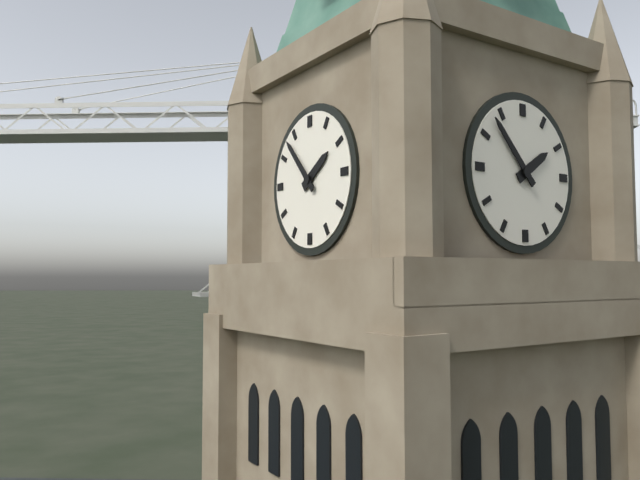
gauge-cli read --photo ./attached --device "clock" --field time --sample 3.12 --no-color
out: 1.53
